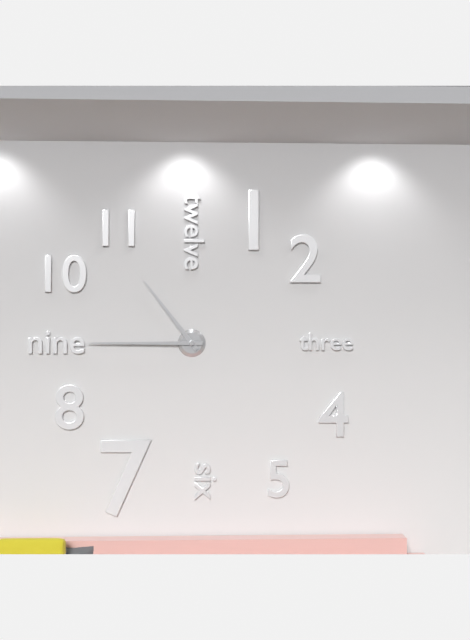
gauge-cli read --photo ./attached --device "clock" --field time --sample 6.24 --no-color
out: 10.45
